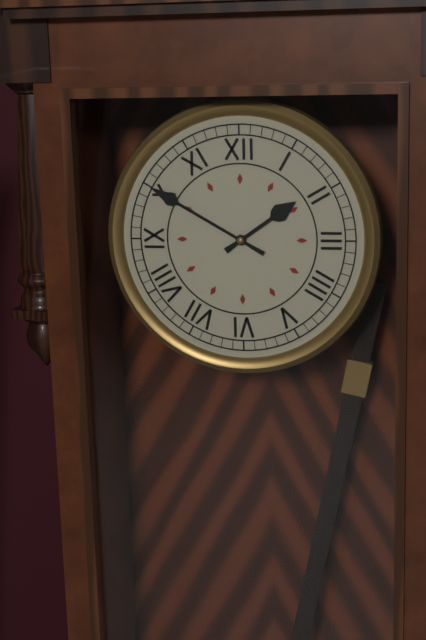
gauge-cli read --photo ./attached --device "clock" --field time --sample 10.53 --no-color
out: 1.50
